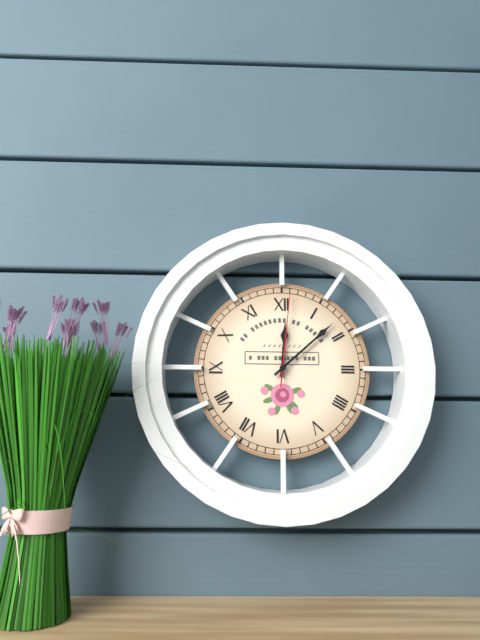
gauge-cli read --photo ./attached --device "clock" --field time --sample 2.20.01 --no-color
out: 12.08.01
